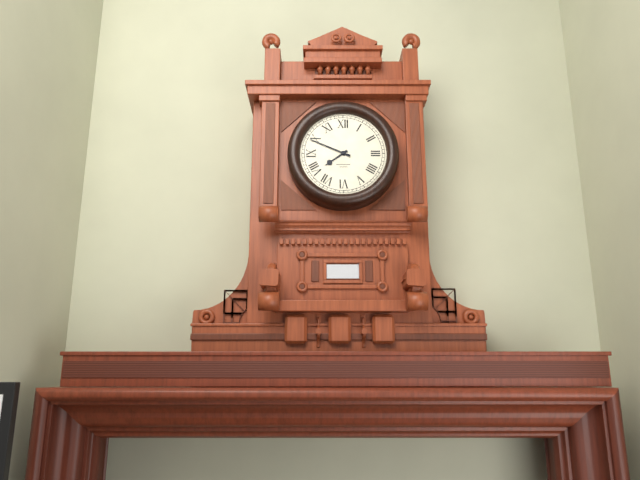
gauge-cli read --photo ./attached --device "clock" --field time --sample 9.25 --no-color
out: 7.49
